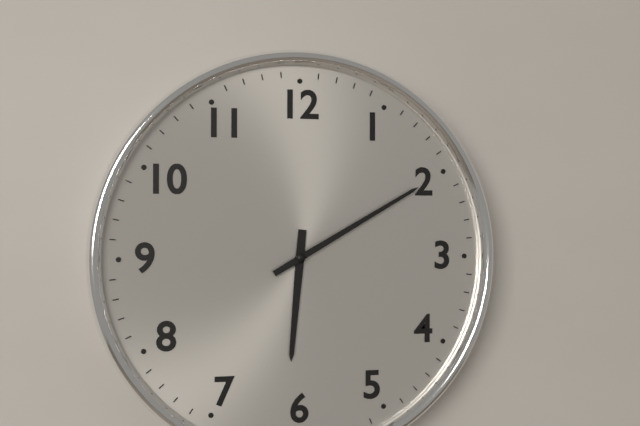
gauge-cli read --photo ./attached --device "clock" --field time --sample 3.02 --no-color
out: 6.10
